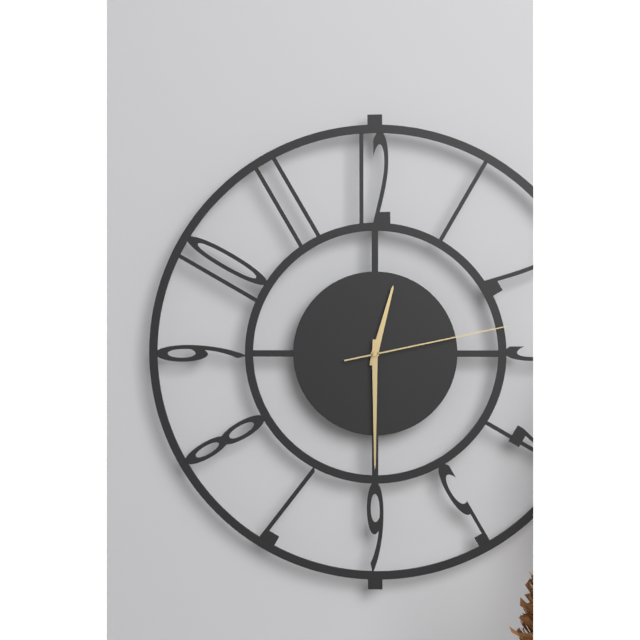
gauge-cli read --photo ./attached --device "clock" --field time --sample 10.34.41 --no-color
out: 12.30.13
